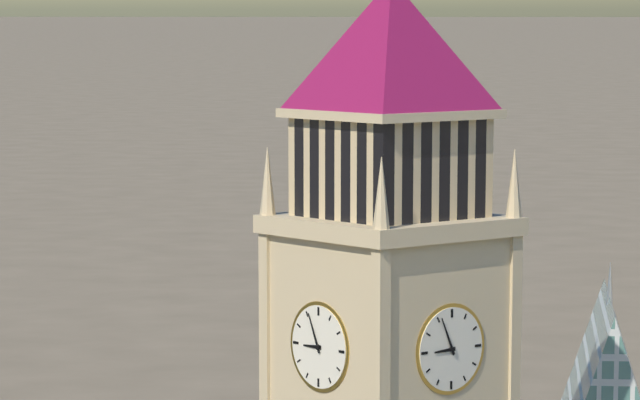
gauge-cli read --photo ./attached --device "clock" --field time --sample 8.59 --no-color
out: 8.56
